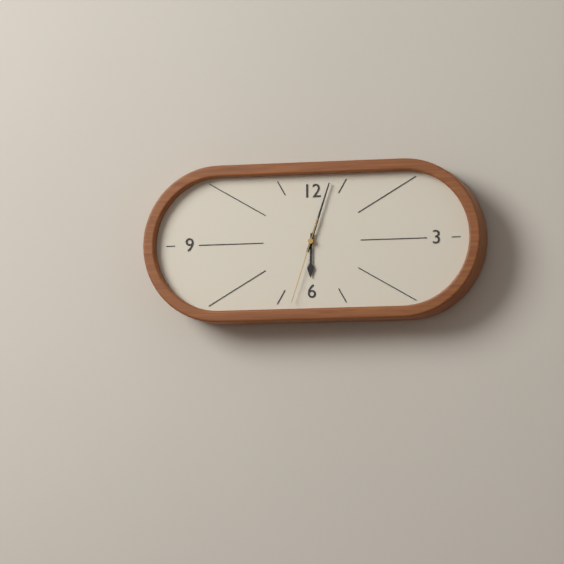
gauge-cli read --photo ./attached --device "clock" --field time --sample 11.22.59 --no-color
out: 6.03.33
